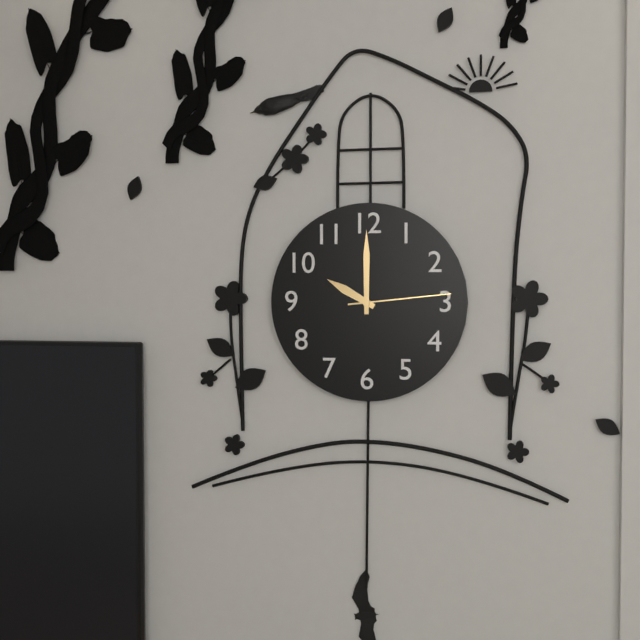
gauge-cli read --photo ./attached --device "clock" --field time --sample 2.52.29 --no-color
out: 10.00.14
